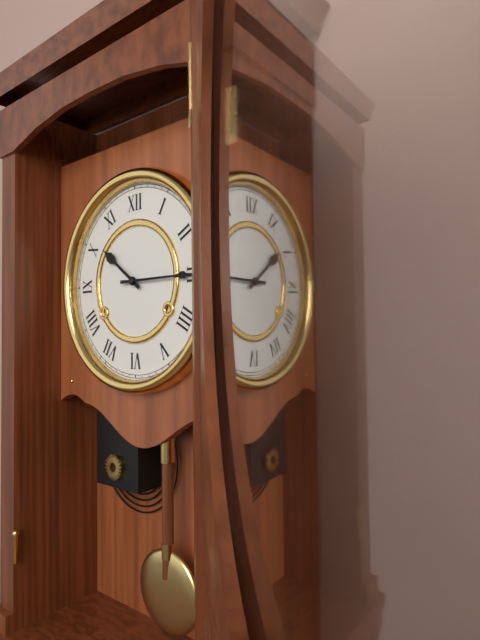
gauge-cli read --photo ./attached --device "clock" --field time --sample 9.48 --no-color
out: 10.15
